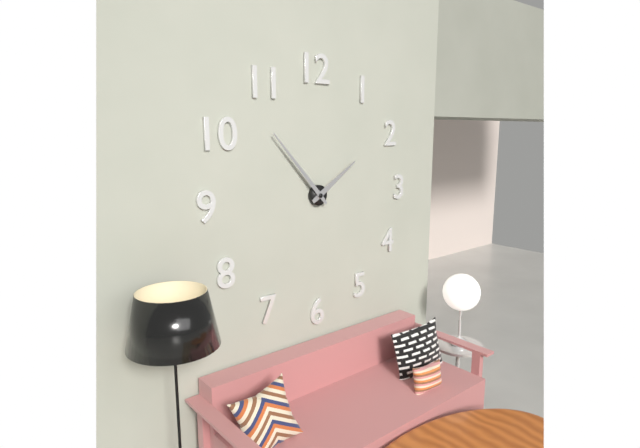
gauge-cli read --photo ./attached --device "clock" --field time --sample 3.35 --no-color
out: 1.53
